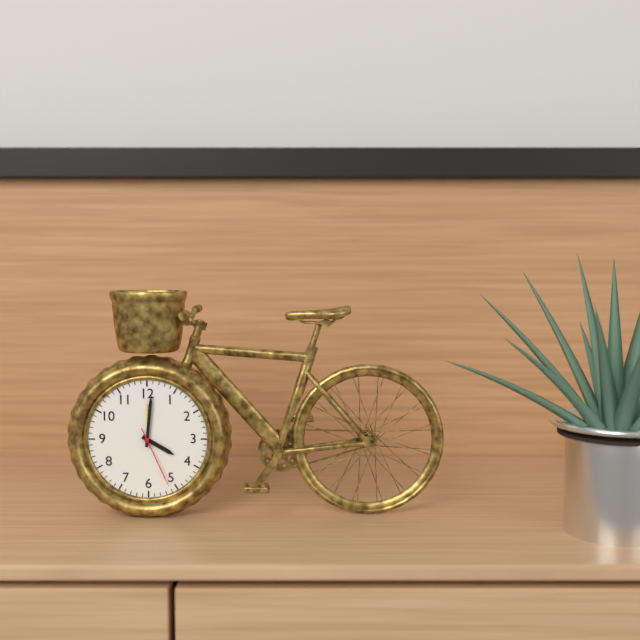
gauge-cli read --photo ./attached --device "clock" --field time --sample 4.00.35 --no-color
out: 4.01.26
